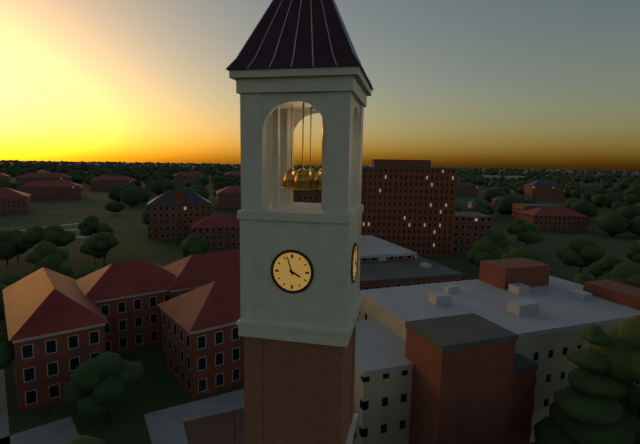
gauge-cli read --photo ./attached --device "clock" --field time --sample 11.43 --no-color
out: 3.57
